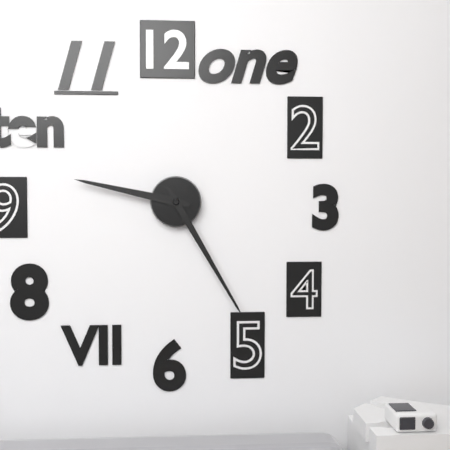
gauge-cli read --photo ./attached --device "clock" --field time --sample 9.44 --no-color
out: 9.25
